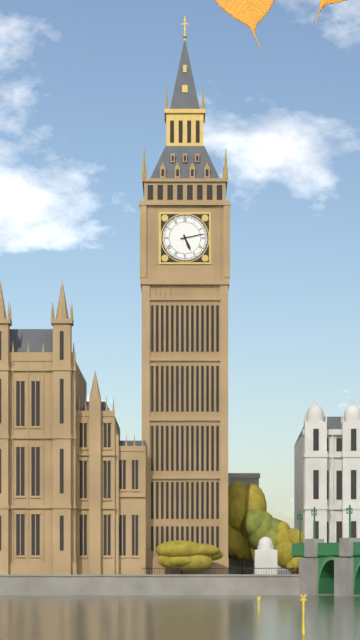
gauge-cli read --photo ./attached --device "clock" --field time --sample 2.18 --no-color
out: 5.13
